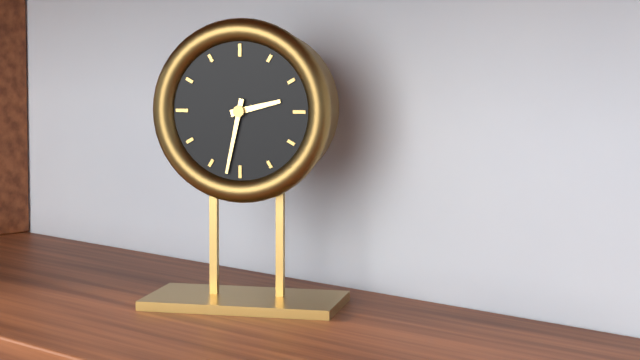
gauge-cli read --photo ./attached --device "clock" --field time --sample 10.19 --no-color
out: 2.32
